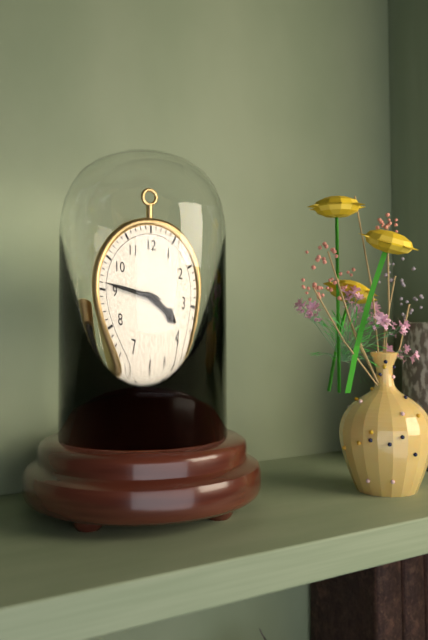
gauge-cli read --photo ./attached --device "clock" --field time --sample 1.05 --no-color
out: 3.46
